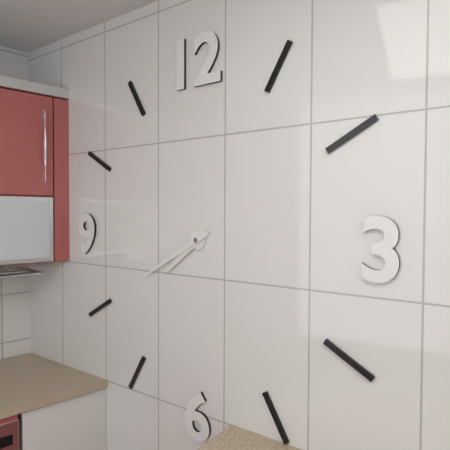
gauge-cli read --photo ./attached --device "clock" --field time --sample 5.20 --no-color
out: 7.40
